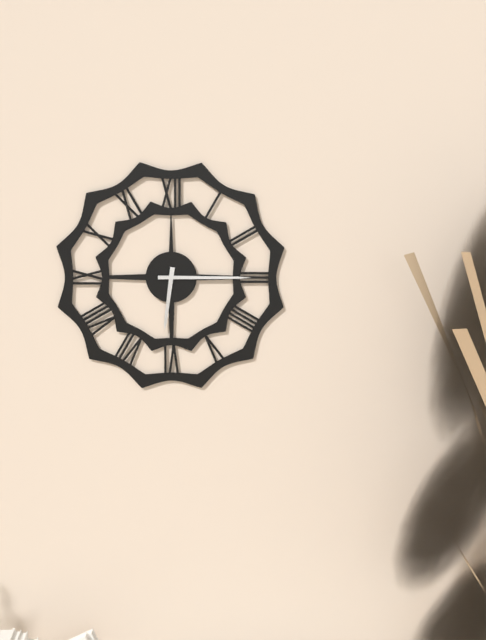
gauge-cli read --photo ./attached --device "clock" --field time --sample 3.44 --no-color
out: 6.15
